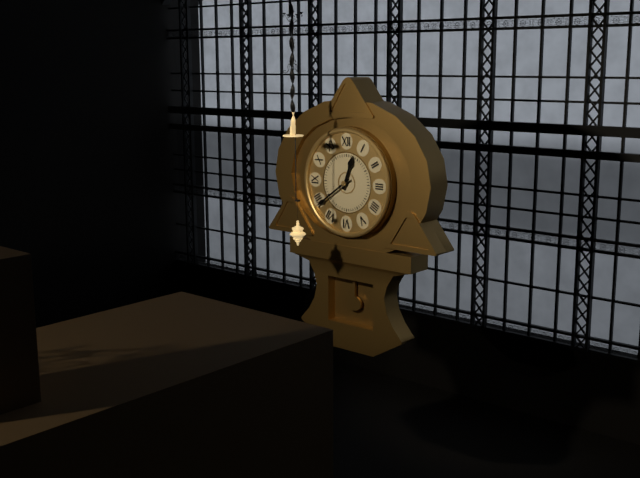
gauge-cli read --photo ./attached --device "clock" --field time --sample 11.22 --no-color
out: 12.39
